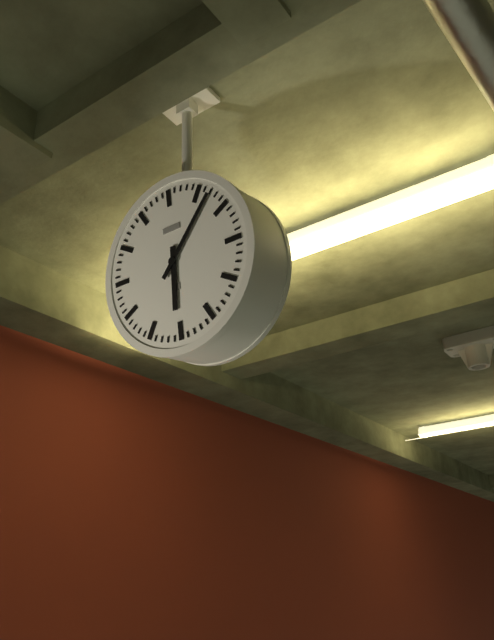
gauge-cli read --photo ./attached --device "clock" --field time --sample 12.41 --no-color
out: 6.07
